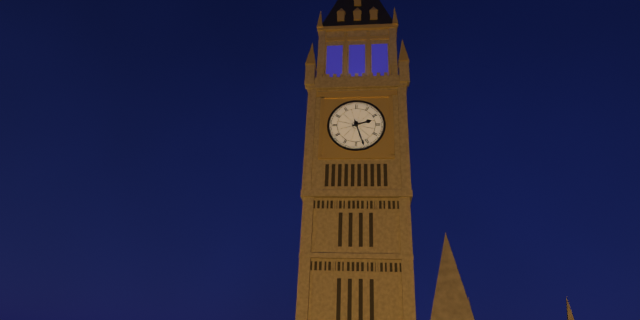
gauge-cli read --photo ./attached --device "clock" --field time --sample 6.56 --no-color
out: 2.27
